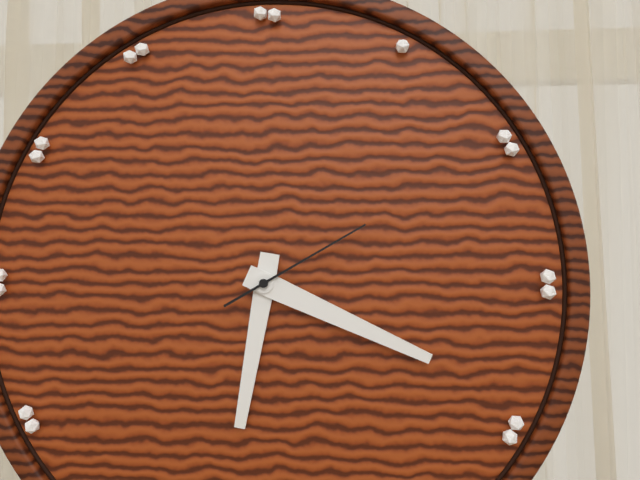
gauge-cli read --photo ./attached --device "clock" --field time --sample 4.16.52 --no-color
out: 6.19.10
